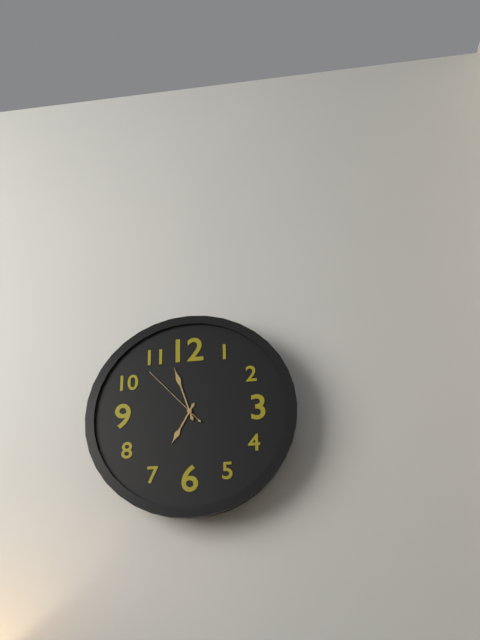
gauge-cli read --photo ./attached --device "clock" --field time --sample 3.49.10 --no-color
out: 6.57.53
